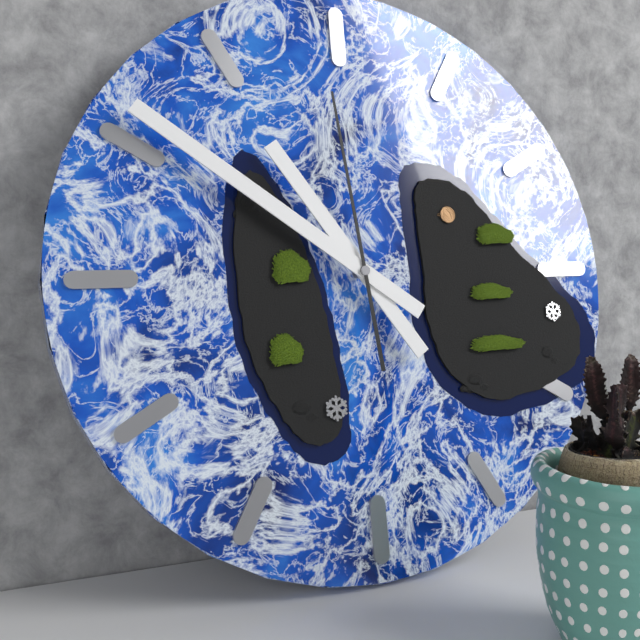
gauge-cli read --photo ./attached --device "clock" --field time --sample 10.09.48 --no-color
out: 10.51.59
